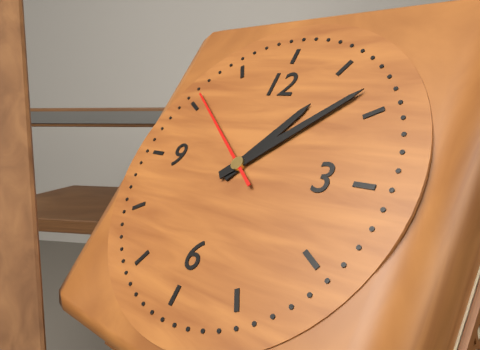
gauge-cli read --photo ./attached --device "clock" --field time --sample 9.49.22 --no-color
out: 1.08.51
